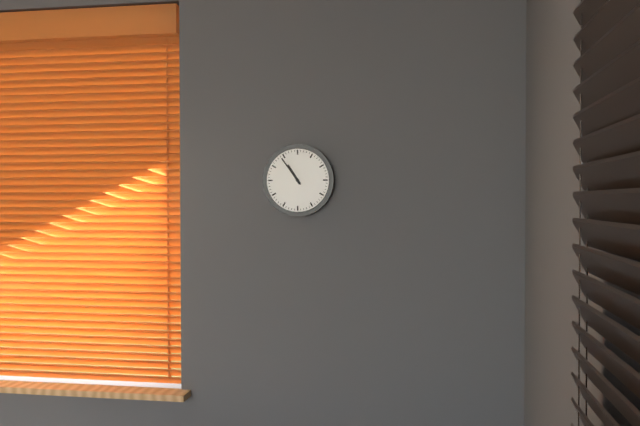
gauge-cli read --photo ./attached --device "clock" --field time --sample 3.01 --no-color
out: 10.54
